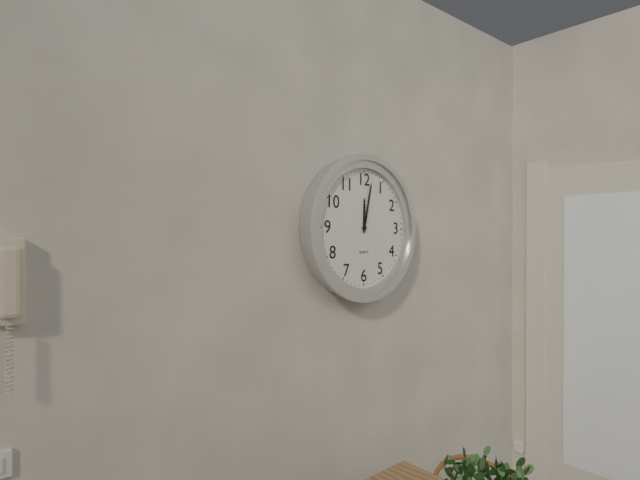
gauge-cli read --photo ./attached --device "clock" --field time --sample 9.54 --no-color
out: 12.02
